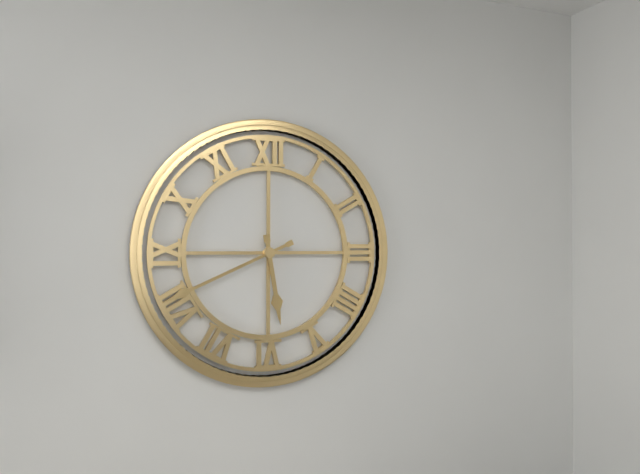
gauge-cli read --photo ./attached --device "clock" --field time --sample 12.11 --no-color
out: 5.41
